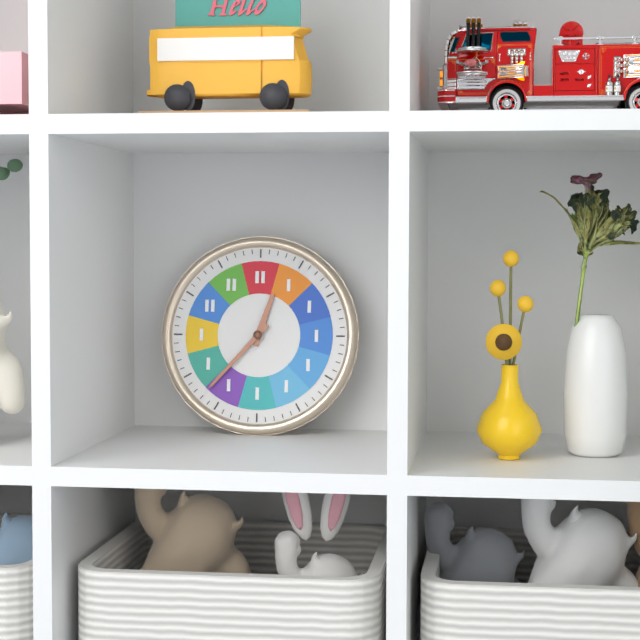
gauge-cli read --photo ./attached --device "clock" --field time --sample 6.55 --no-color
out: 12.37
